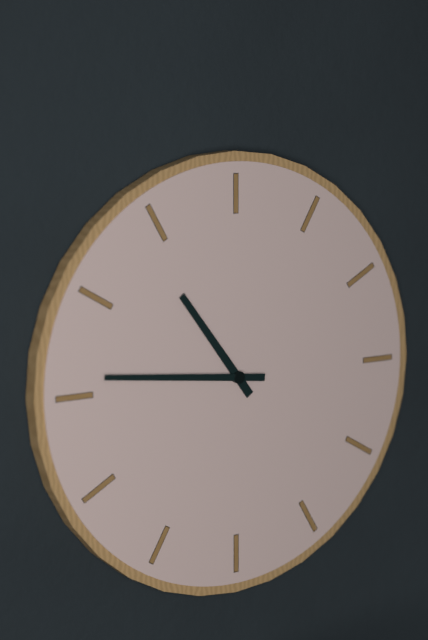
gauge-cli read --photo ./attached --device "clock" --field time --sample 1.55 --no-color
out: 10.46
